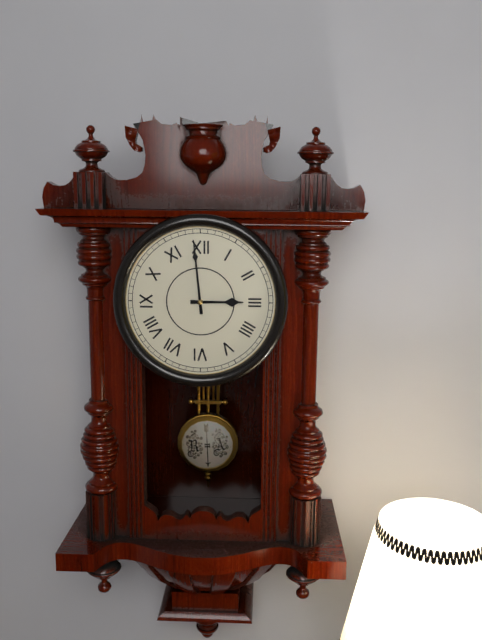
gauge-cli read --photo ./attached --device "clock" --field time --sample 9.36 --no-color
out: 2.59
